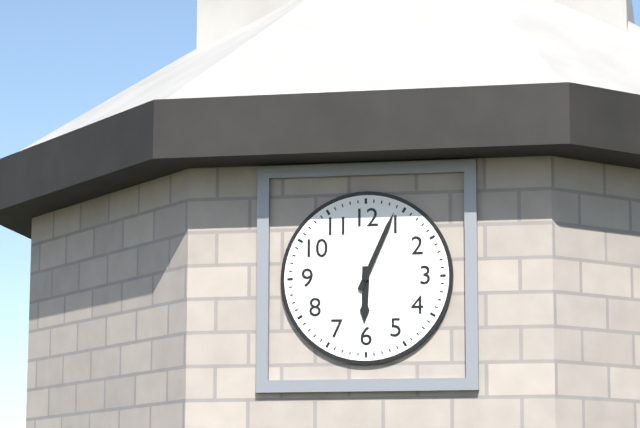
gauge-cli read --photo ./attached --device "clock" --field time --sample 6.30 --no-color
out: 6.04
